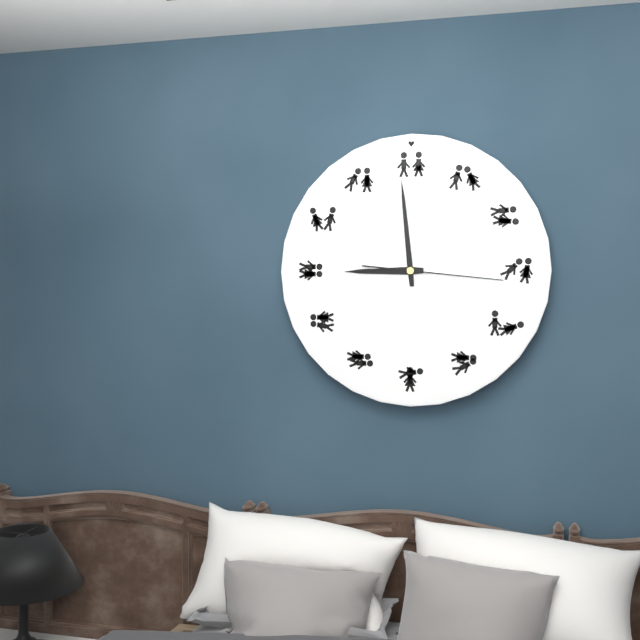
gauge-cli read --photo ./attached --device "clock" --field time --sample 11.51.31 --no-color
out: 8.59.16
